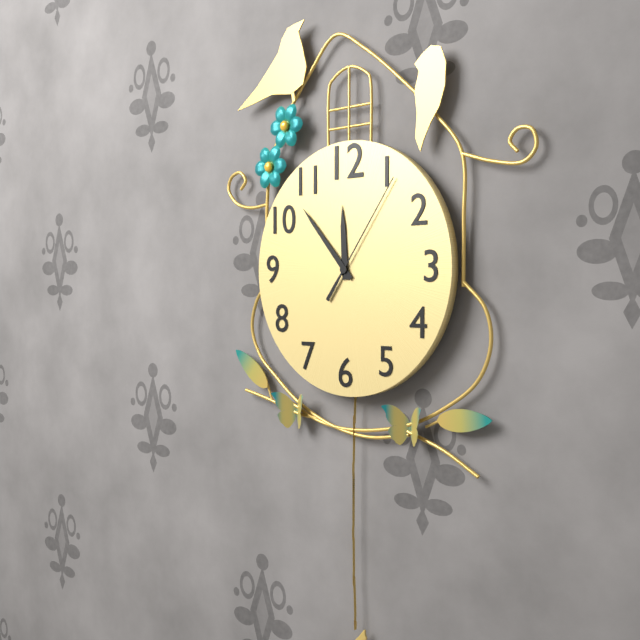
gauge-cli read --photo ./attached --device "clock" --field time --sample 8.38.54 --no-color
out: 11.53.06
